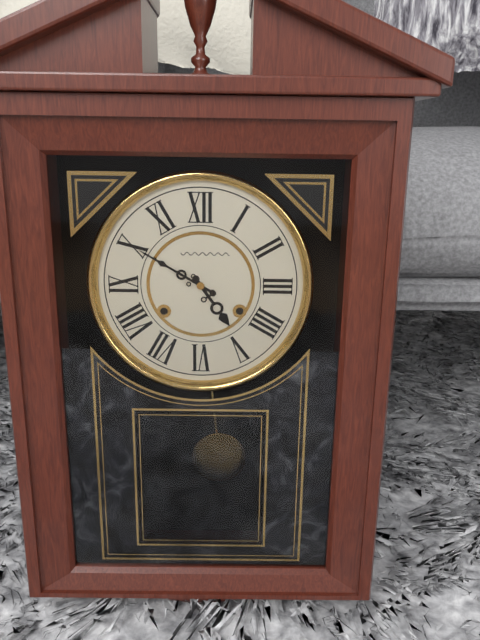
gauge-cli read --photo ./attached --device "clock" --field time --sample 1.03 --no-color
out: 4.50
